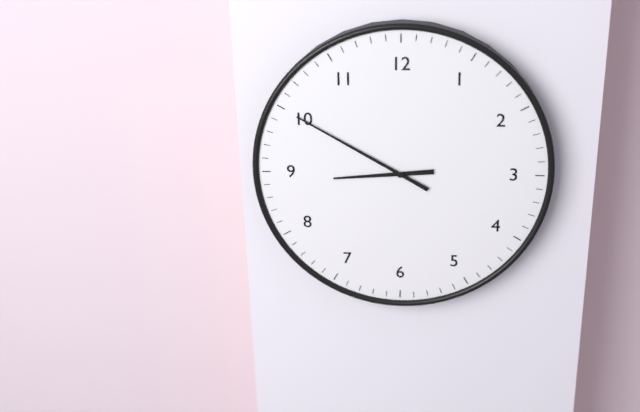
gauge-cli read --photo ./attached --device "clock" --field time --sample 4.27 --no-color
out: 8.50
